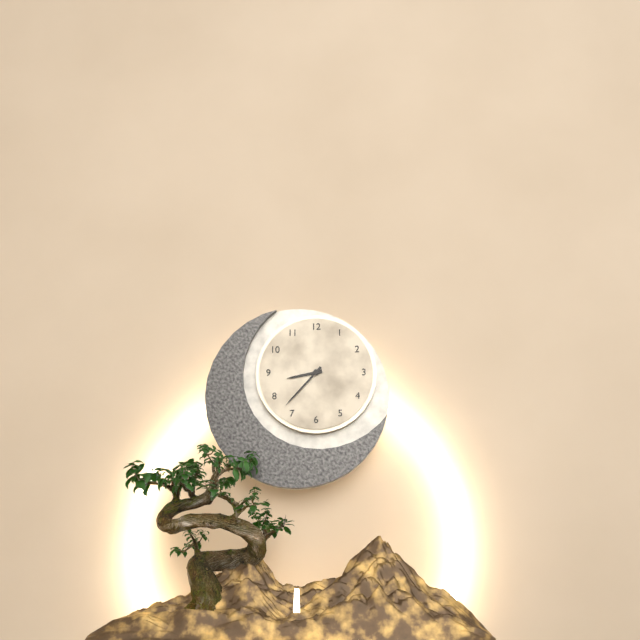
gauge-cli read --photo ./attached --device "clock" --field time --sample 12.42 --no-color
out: 8.37
